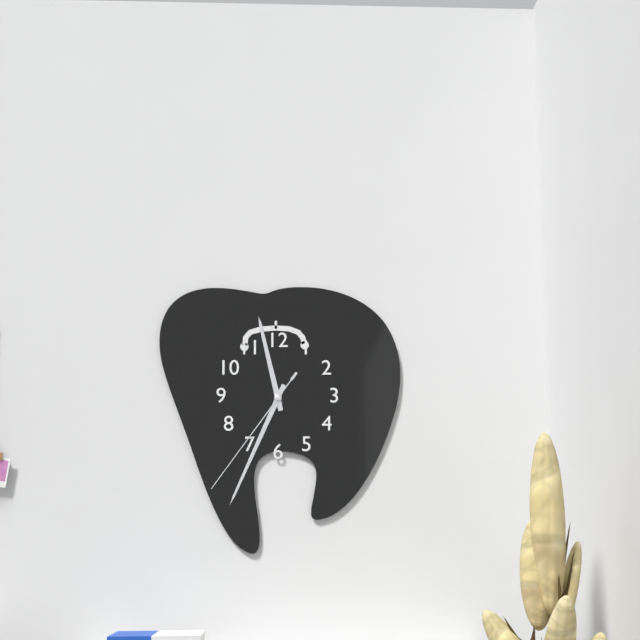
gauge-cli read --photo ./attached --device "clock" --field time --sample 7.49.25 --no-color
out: 11.34.36
